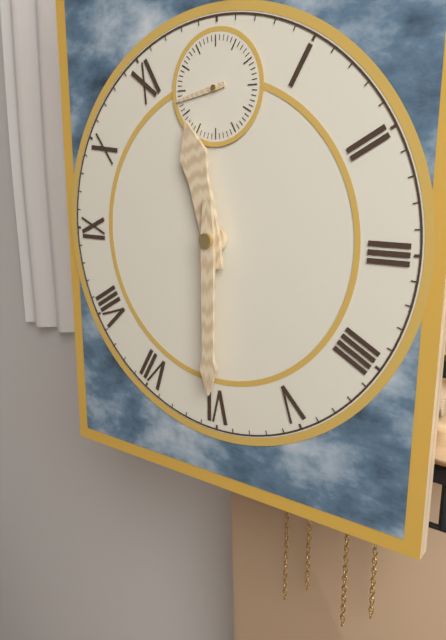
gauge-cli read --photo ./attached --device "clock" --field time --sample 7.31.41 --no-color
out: 11.30.43
